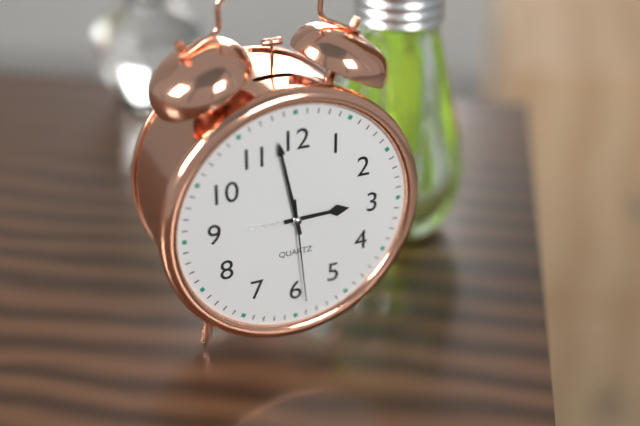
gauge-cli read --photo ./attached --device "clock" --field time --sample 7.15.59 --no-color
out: 2.58.29
